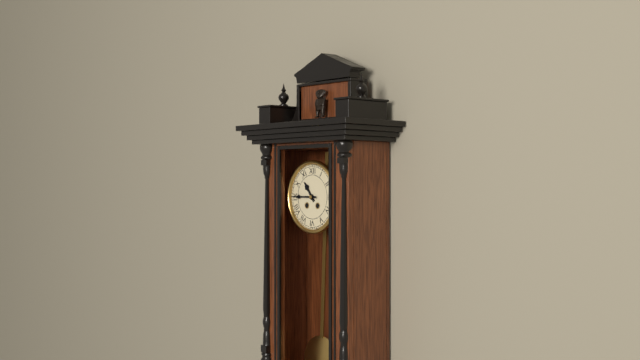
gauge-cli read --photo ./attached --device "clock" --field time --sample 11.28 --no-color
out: 10.45
